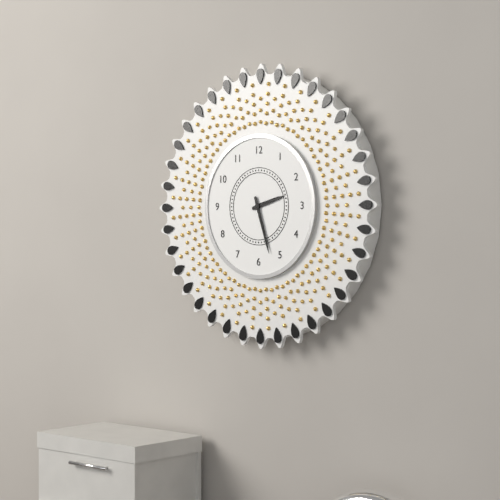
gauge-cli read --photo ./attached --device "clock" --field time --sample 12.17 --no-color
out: 2.27
